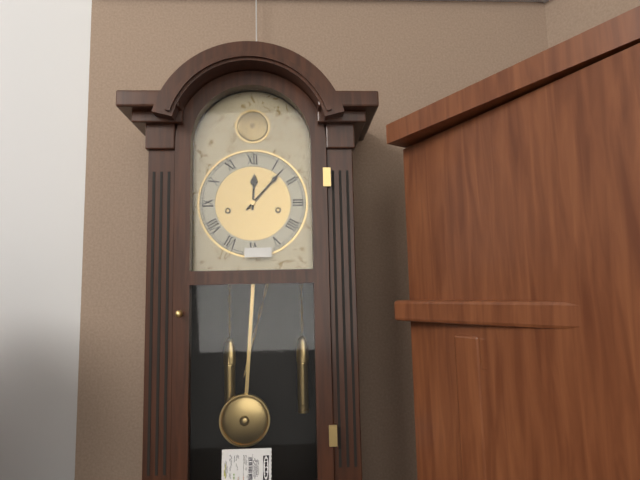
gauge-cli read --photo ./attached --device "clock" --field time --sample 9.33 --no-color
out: 12.07
